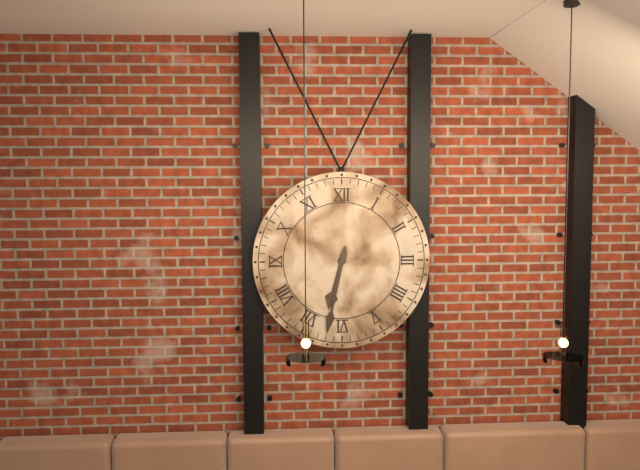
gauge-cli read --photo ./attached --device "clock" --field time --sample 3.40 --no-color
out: 6.32
